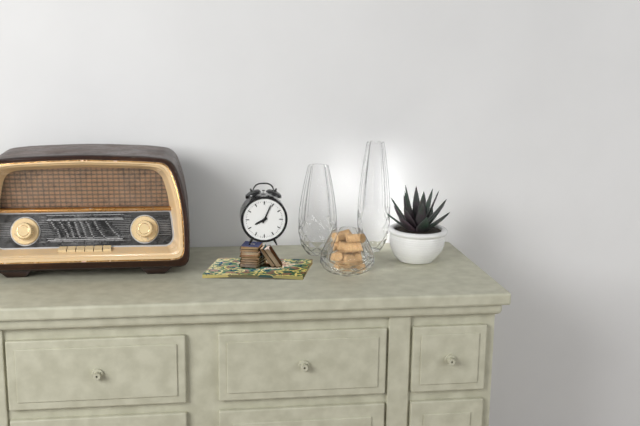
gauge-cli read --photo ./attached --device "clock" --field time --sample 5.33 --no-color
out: 8.04
